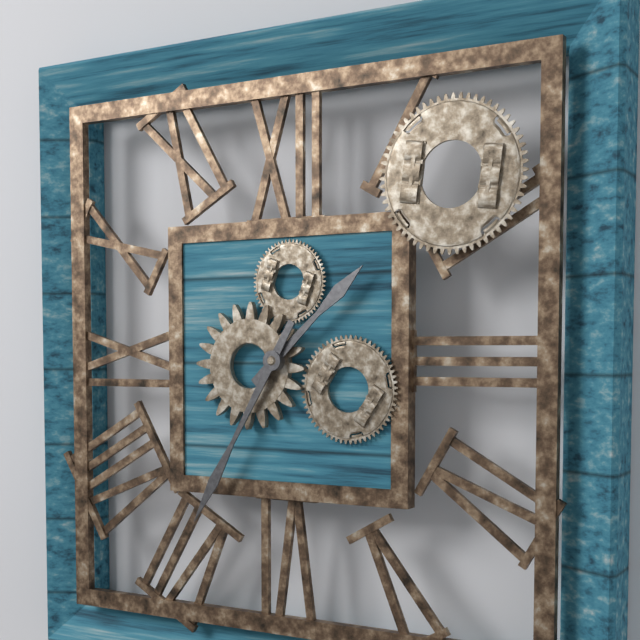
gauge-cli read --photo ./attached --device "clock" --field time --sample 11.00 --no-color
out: 1.35
